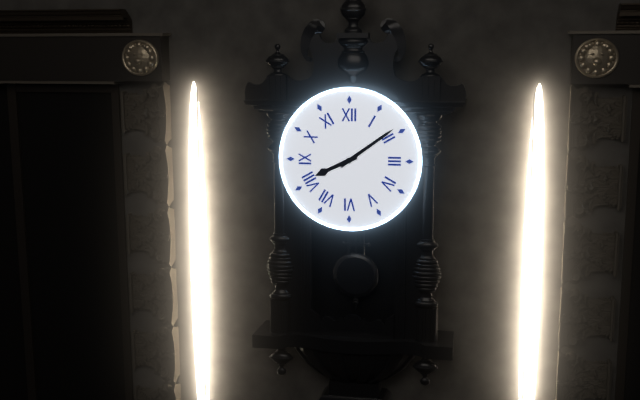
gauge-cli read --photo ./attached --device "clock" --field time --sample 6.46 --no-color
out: 8.09
